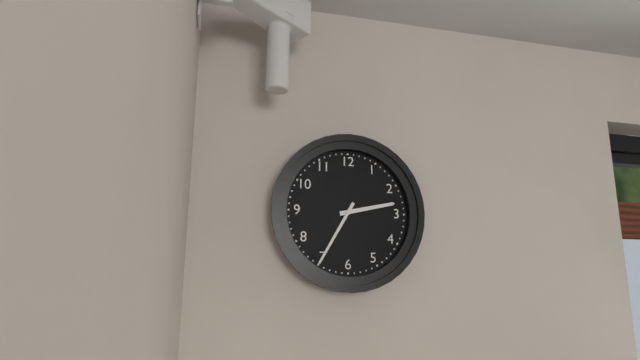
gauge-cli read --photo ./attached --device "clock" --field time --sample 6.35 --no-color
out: 2.35
